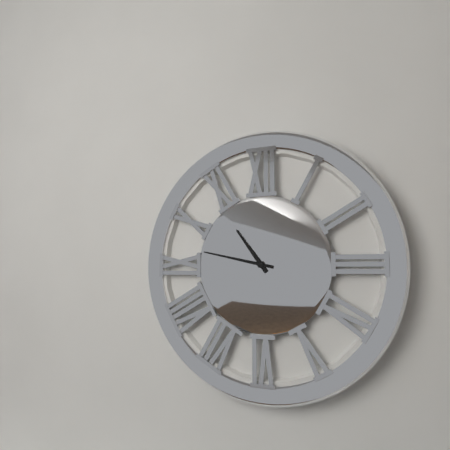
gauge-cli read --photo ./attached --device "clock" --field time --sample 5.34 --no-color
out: 10.47
